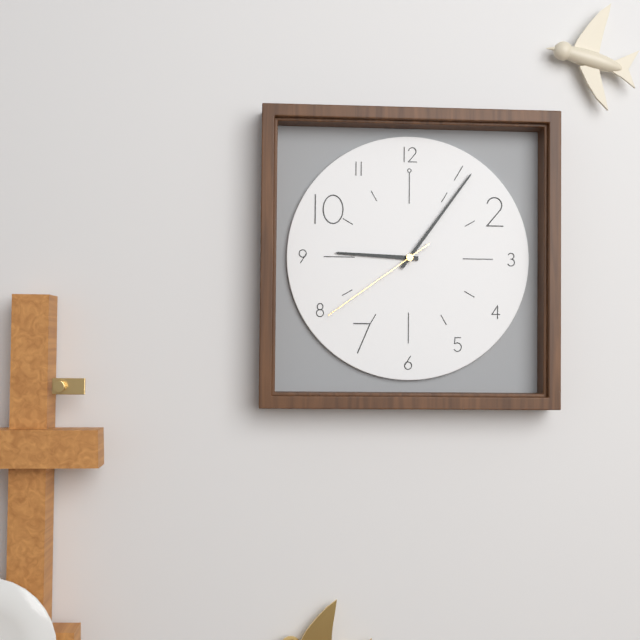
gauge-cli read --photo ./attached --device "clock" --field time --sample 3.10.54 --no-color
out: 9.06.39
